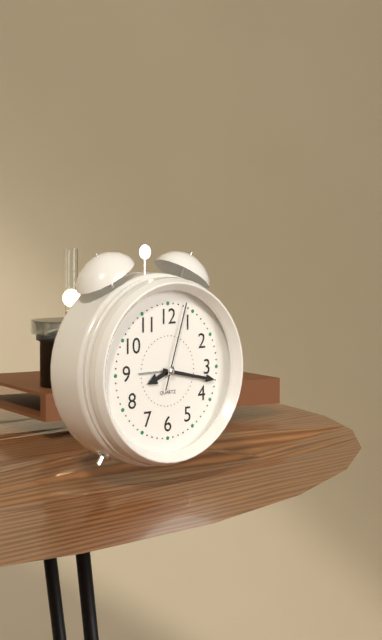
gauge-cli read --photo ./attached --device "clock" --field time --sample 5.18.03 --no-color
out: 8.17.03
